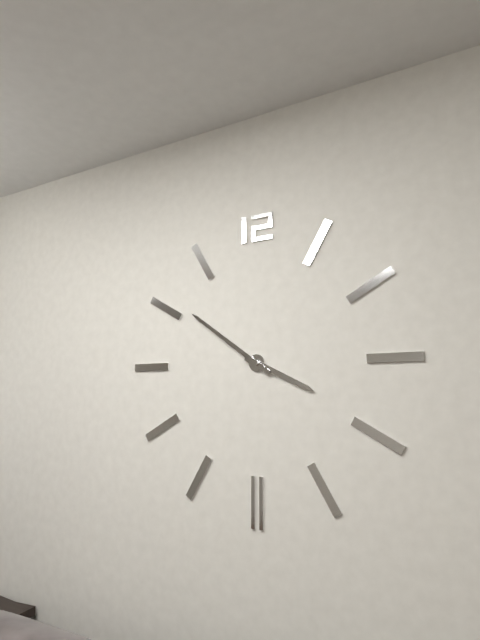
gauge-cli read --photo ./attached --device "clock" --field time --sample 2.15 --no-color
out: 3.51
